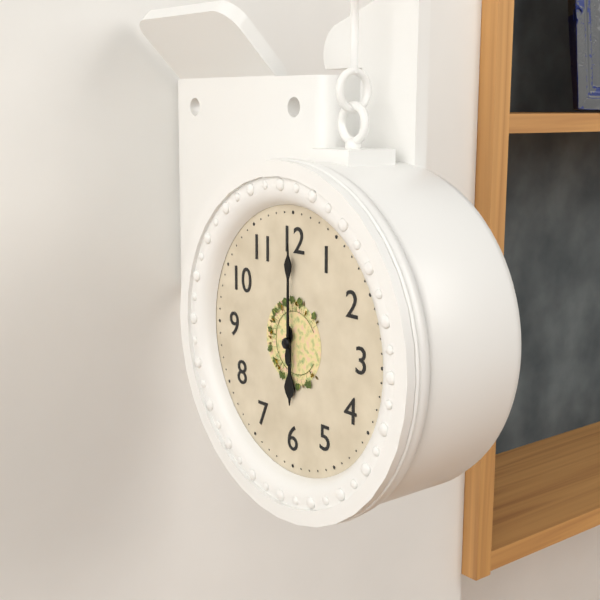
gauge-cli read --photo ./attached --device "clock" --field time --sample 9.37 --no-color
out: 6.00
